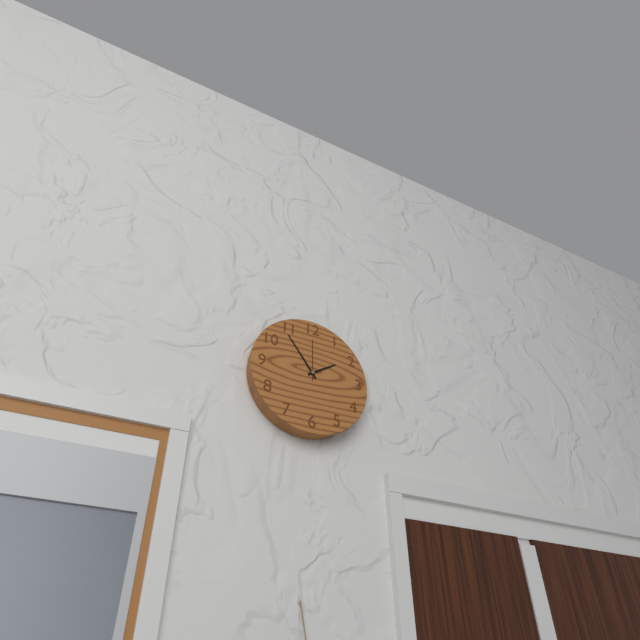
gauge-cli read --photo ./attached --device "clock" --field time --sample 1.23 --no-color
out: 1.54
